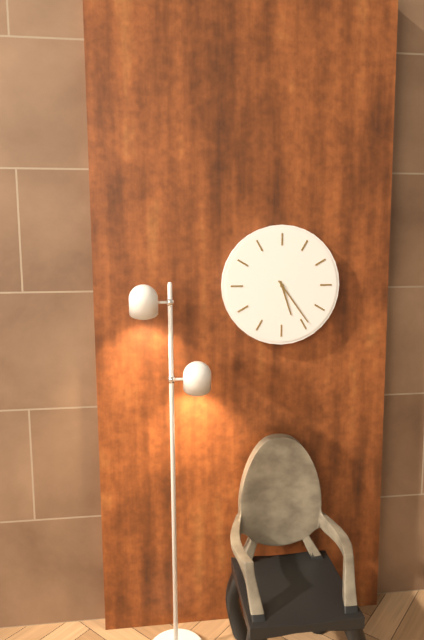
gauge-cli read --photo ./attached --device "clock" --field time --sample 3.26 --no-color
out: 5.24
